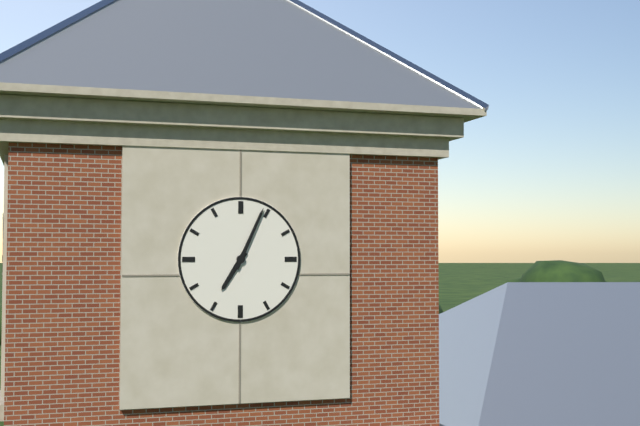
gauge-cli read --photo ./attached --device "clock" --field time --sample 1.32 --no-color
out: 7.04
